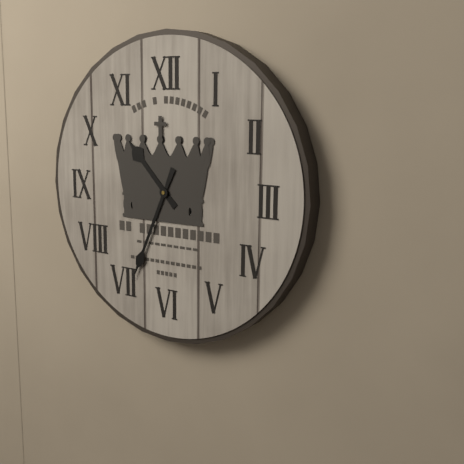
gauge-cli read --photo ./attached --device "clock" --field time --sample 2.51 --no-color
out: 10.34
